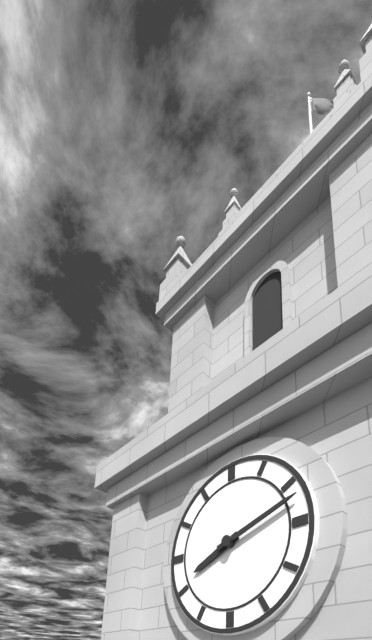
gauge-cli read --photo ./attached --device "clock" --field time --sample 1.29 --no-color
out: 8.12
